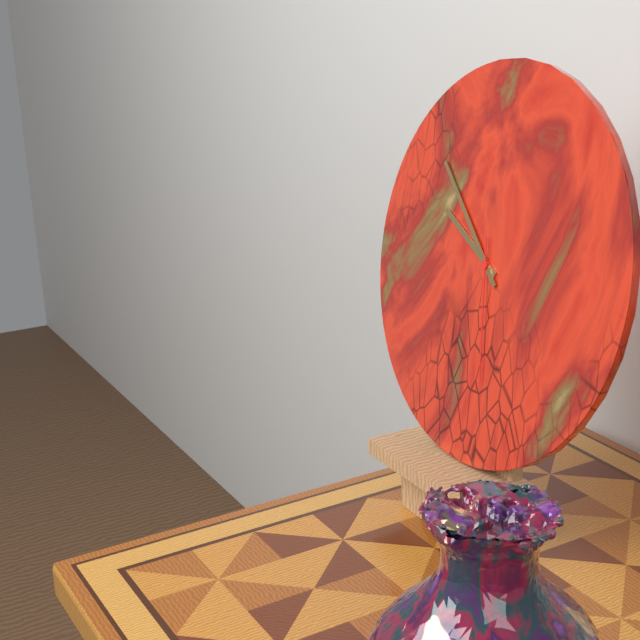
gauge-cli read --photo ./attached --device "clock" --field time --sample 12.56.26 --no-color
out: 9.52.28
